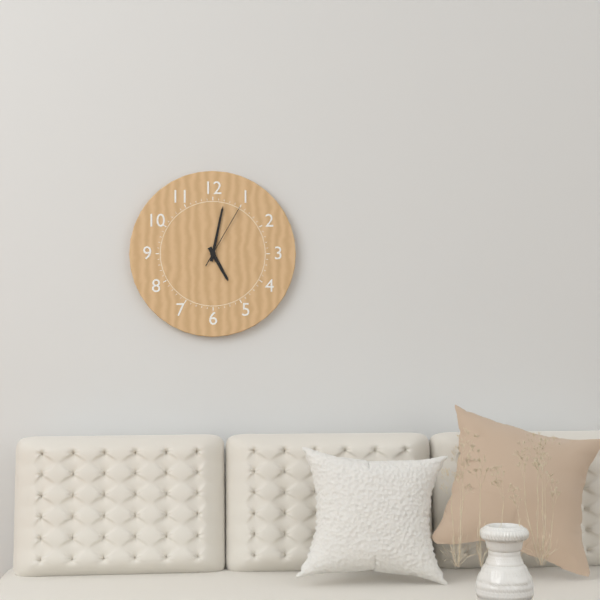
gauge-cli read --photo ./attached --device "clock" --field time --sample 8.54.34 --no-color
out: 5.02.05
